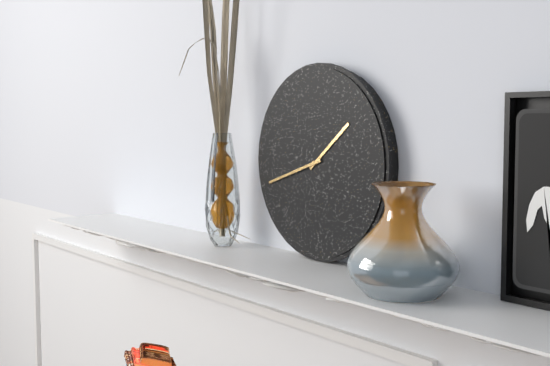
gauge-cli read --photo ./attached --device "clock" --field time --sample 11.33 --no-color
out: 1.42
